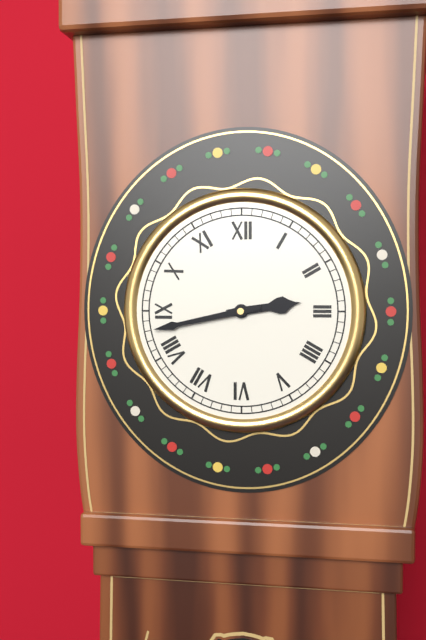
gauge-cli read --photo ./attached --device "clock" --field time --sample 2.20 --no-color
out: 2.43
